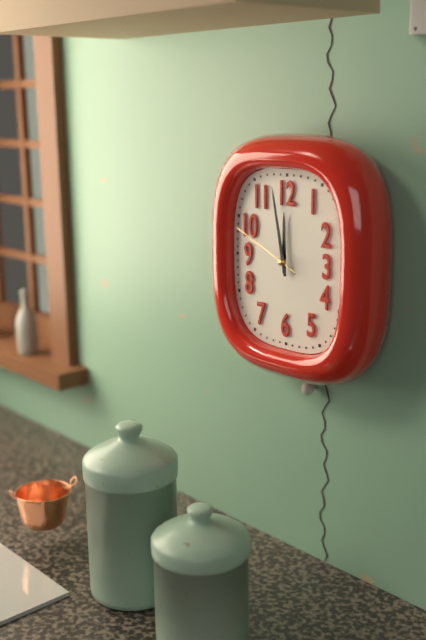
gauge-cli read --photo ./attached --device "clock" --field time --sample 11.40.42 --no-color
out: 11.58.49
